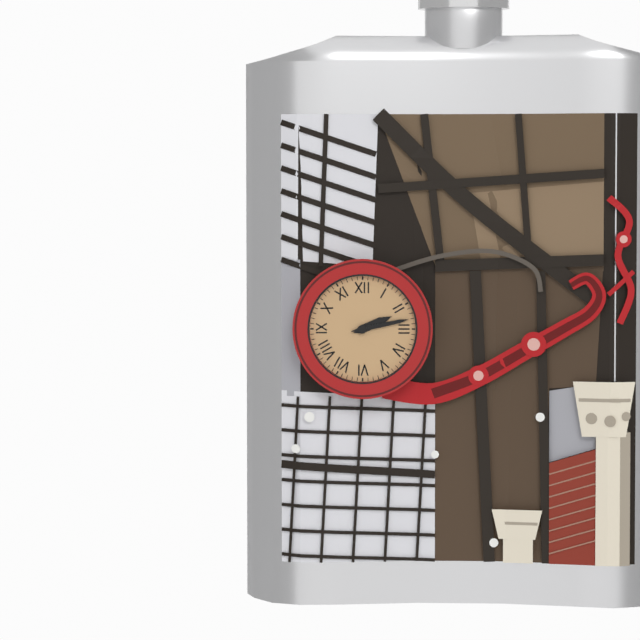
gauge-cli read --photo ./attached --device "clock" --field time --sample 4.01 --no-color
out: 2.13
